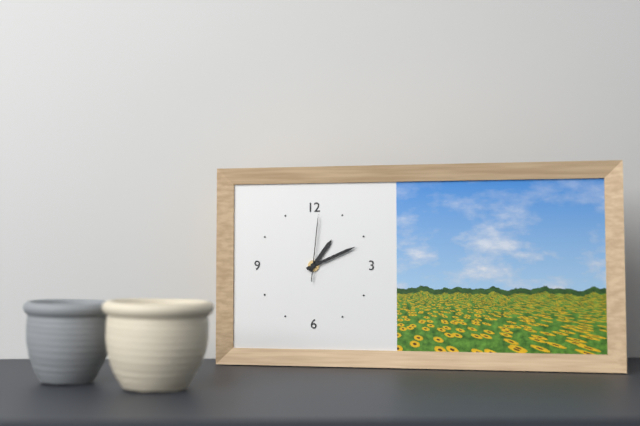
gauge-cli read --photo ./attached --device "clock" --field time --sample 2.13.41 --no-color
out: 1.11.01
